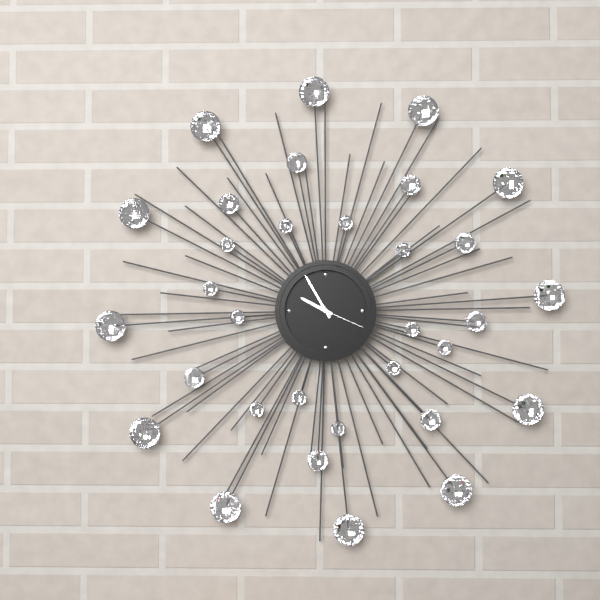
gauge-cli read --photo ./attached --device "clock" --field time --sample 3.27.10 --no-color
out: 9.55.19
